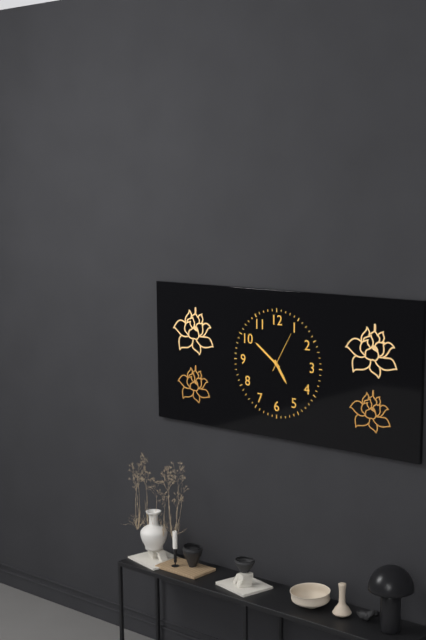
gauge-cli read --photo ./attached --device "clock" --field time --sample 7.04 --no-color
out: 4.51
